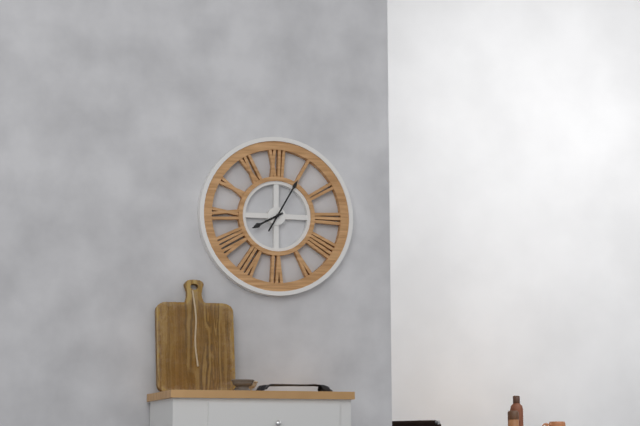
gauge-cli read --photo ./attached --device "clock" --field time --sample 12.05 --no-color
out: 8.05
